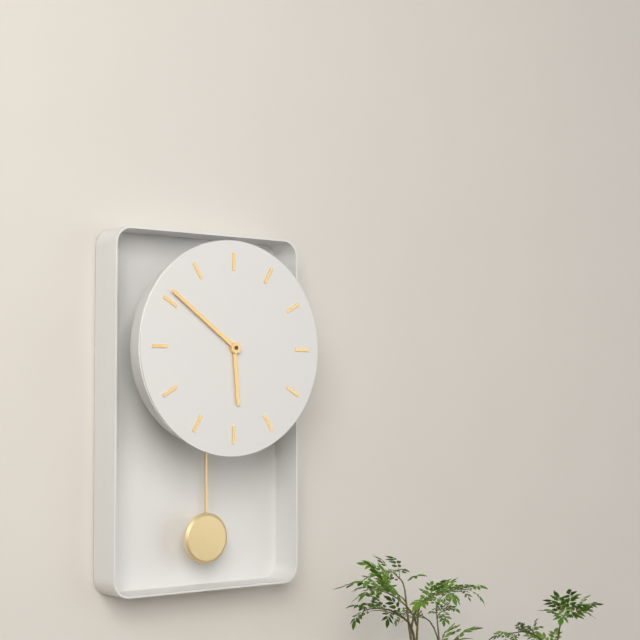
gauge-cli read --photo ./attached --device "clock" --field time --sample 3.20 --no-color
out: 5.51
